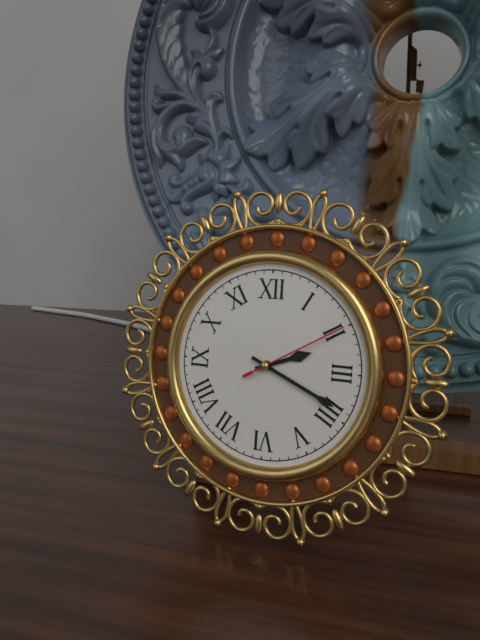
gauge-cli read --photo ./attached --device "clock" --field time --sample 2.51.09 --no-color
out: 2.19.10
